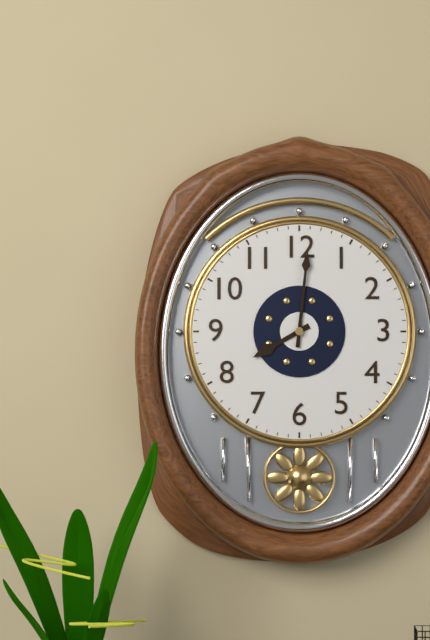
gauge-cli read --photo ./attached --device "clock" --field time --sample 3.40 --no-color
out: 8.01
